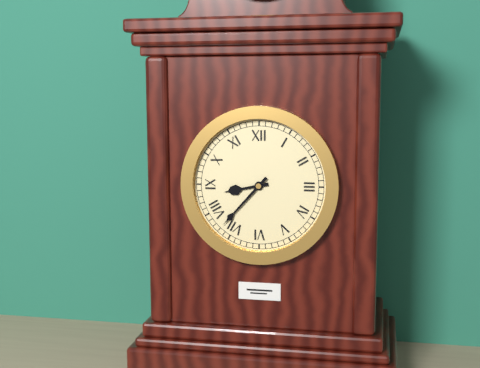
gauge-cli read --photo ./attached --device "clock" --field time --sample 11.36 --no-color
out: 8.37
